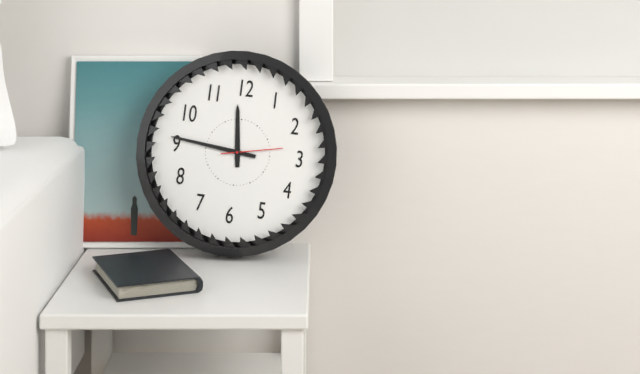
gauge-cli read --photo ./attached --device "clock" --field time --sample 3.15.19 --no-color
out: 11.46.13
